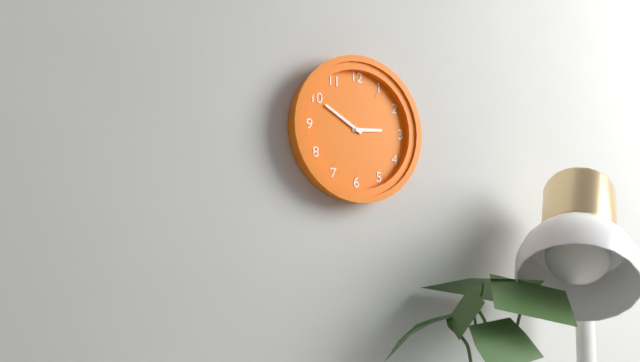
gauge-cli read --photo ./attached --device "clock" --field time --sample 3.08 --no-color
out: 2.50
